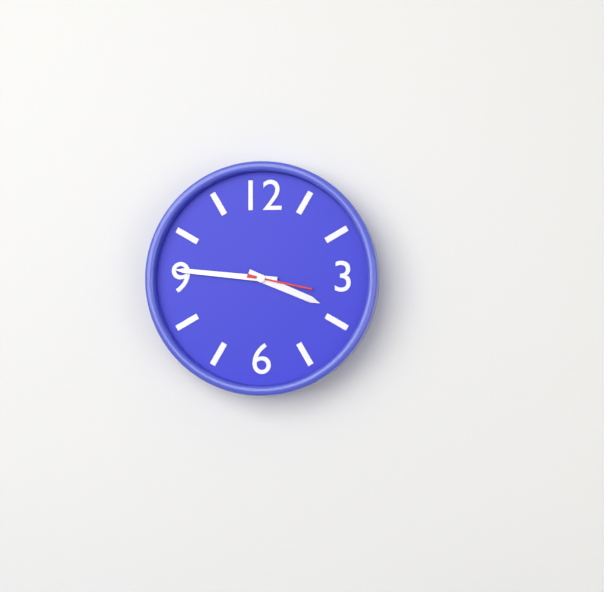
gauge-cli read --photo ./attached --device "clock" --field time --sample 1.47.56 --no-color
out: 3.46.17
